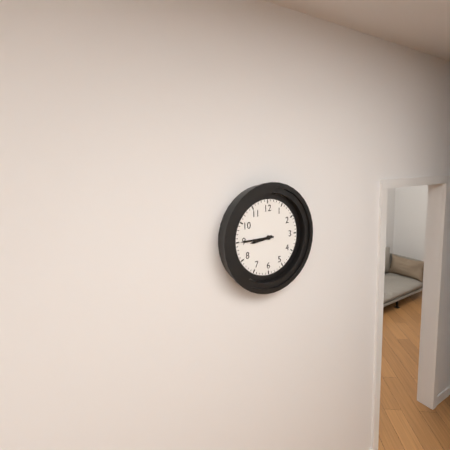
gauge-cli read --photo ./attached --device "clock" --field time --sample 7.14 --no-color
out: 8.45
